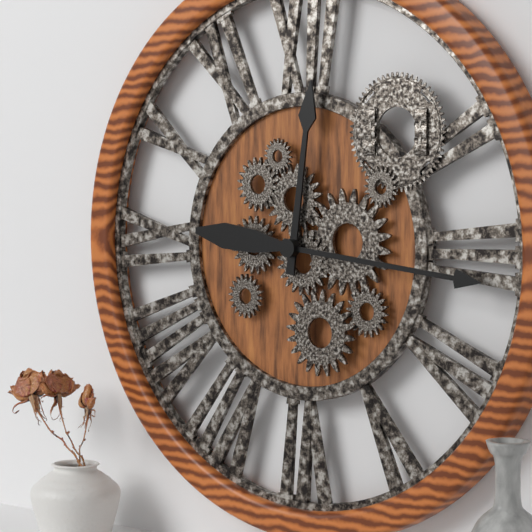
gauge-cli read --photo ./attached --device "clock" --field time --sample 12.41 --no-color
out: 12.16
